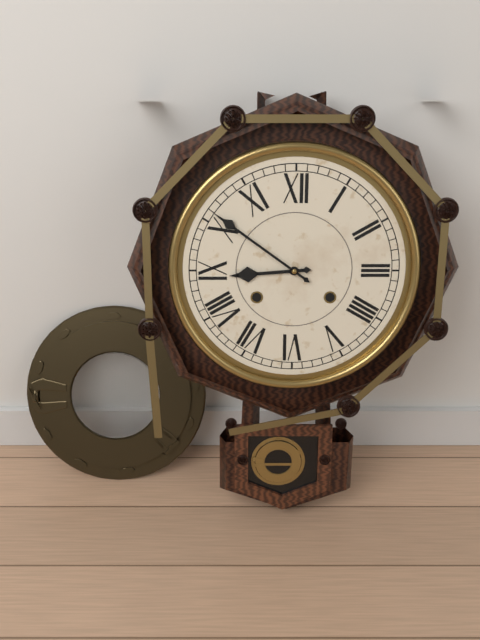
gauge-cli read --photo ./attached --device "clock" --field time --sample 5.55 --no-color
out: 8.51
